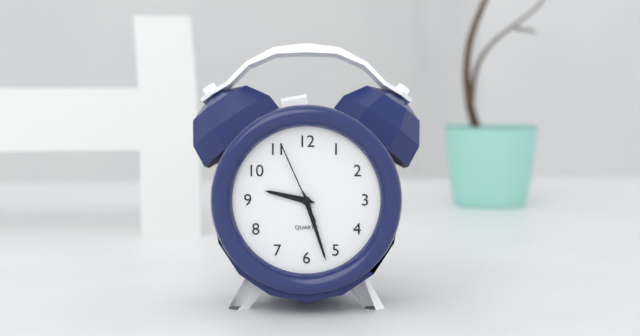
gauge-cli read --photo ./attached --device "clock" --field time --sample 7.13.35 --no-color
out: 9.27.56
